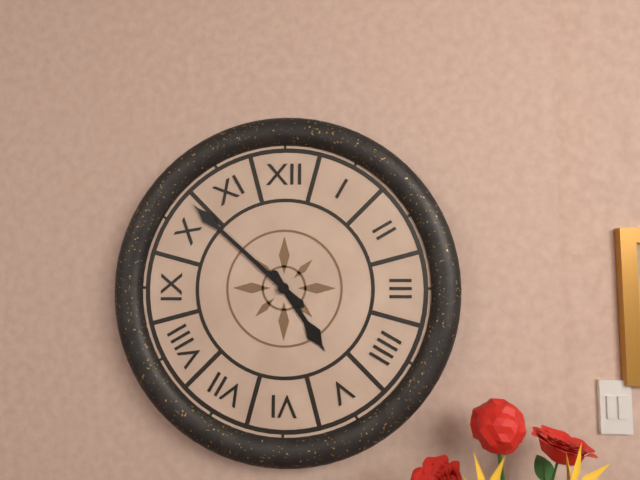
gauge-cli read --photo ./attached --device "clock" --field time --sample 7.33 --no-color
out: 4.52
